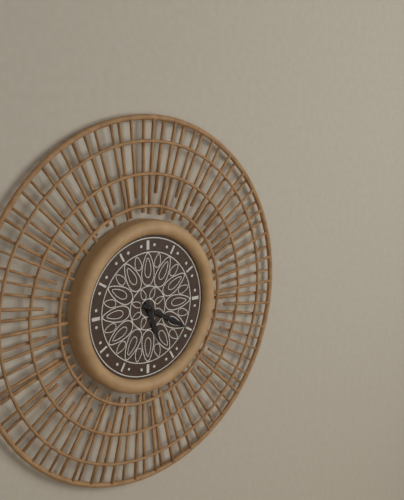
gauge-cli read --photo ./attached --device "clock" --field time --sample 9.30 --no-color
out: 5.20
